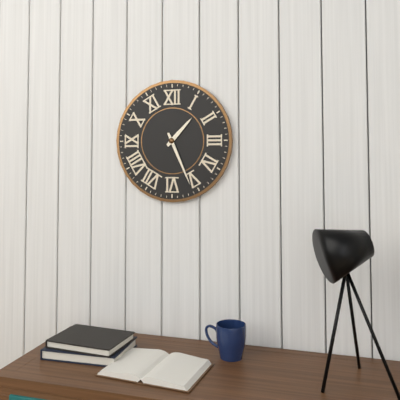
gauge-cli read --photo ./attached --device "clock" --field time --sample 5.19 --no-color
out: 1.26
